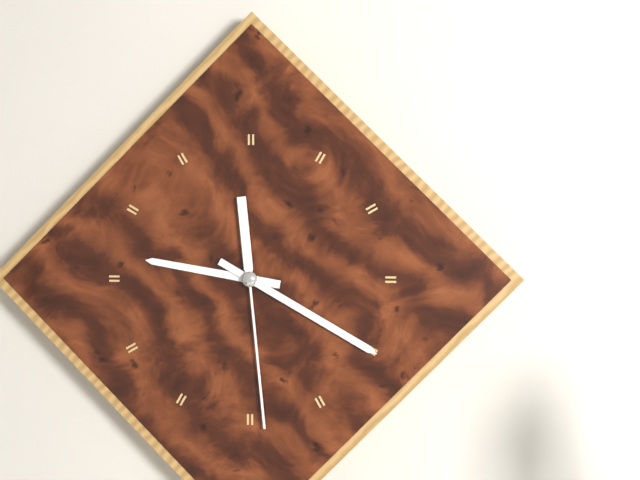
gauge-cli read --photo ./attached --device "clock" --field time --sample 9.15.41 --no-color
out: 9.20.29
